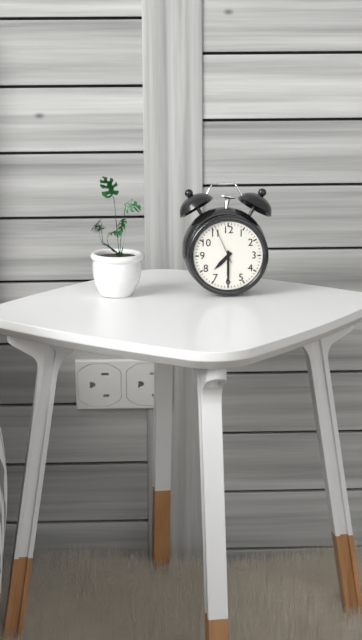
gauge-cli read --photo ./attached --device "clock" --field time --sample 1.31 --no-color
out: 7.30
